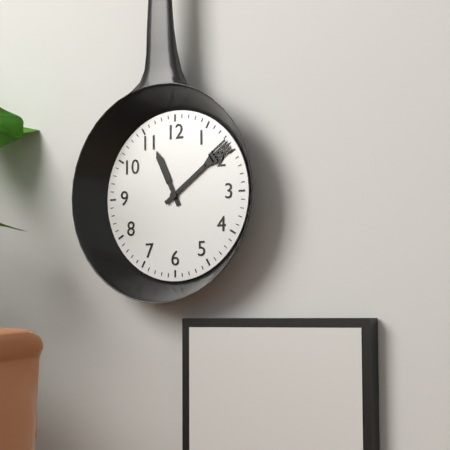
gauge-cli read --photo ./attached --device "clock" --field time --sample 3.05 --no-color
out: 11.09
